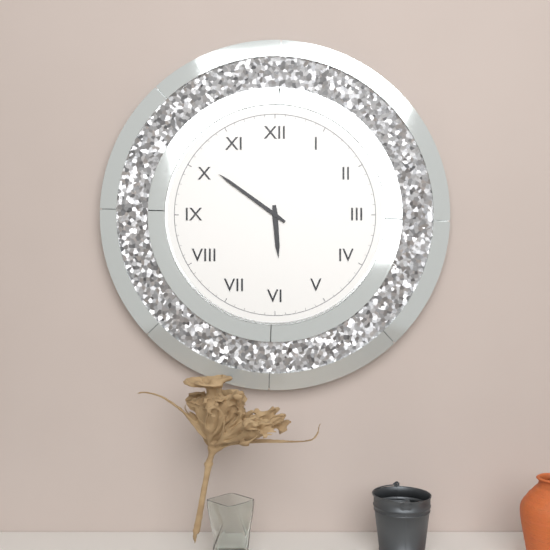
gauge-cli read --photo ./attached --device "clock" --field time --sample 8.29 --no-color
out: 5.51
